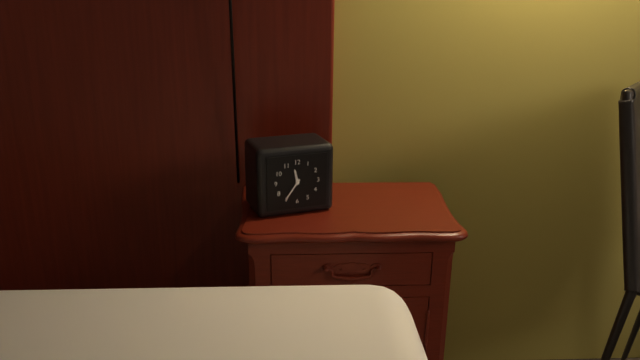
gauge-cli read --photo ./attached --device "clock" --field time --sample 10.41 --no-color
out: 11.36
